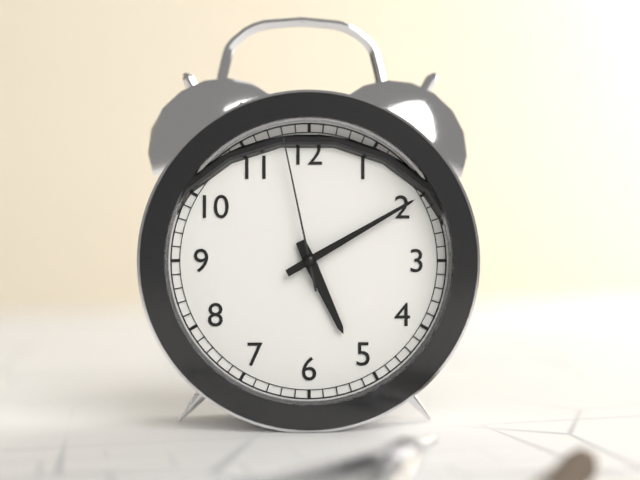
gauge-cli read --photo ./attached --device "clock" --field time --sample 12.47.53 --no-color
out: 5.10.58
